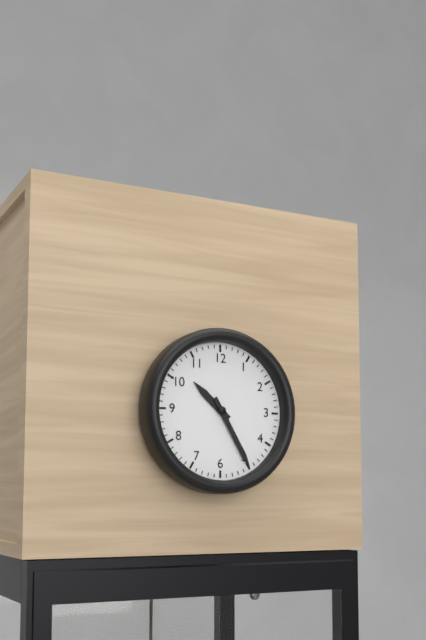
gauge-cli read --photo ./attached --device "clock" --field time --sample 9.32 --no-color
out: 10.25
